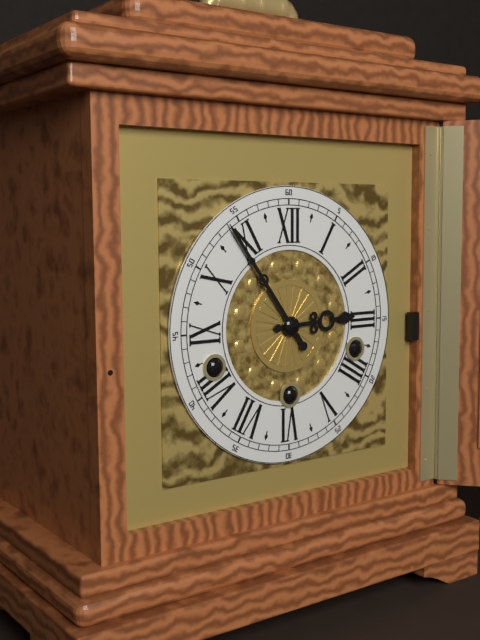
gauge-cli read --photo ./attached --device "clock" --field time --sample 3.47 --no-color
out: 2.54
